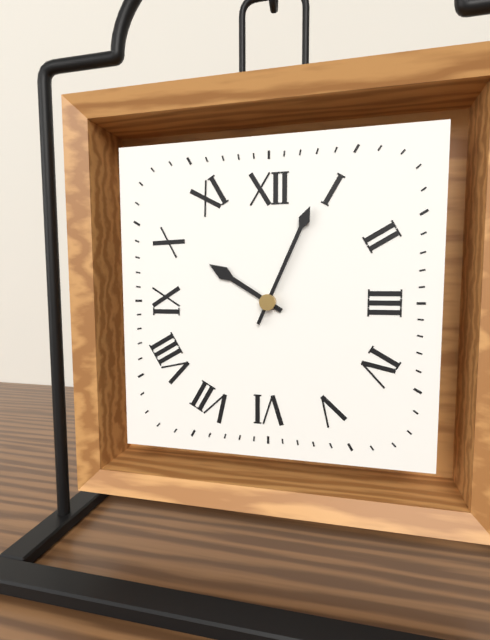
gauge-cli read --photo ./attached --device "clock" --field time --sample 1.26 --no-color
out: 10.04
